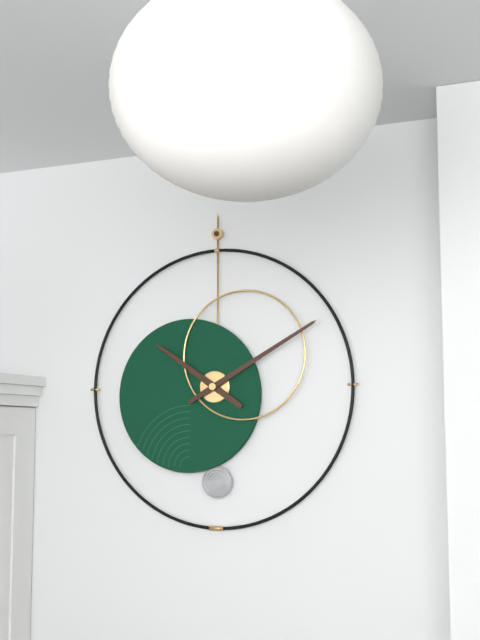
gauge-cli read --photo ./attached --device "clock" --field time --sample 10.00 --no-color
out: 10.10
